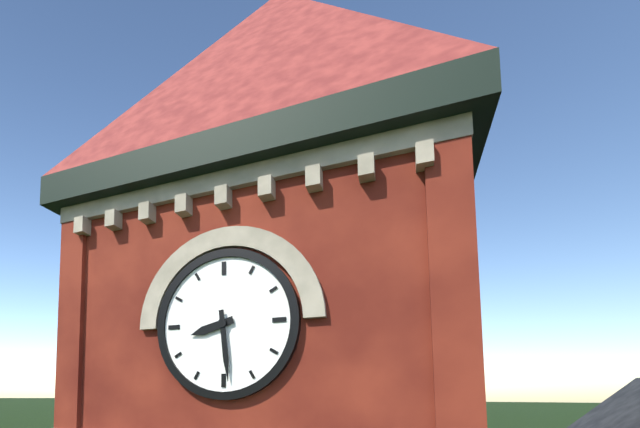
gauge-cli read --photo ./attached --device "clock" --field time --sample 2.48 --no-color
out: 8.29
